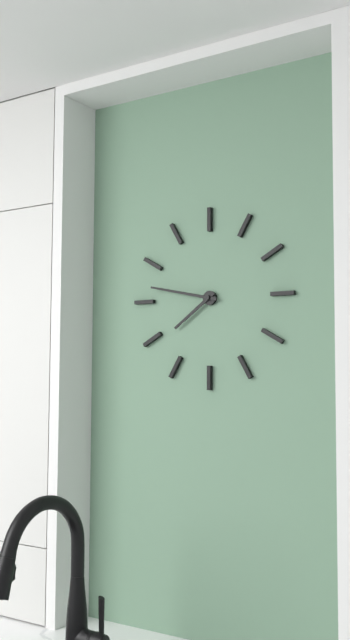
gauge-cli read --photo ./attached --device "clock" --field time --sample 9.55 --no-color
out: 7.47
